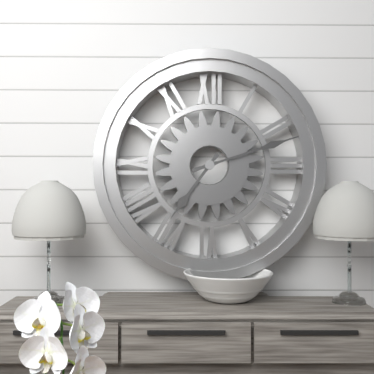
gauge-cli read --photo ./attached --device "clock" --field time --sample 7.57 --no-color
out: 7.12
